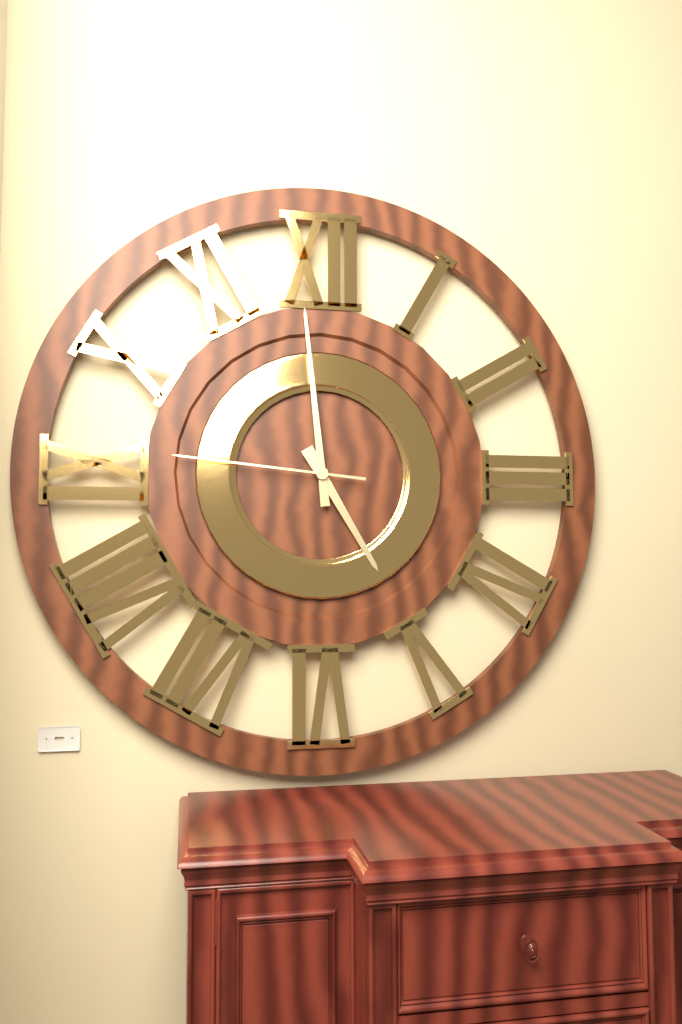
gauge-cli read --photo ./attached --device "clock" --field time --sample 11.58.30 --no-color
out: 4.59.46
